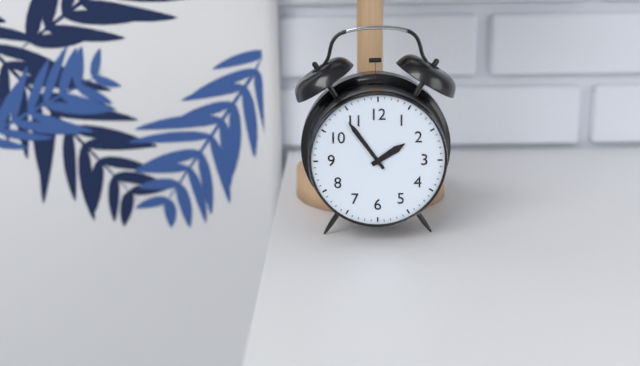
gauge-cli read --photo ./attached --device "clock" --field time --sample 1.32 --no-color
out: 1.54
